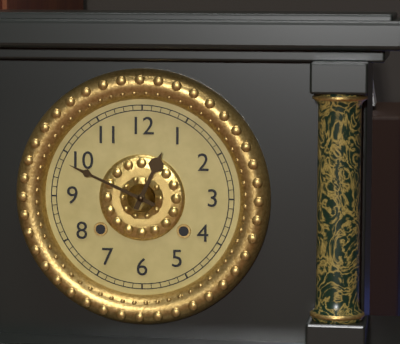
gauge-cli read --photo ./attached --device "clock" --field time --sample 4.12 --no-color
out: 12.49
